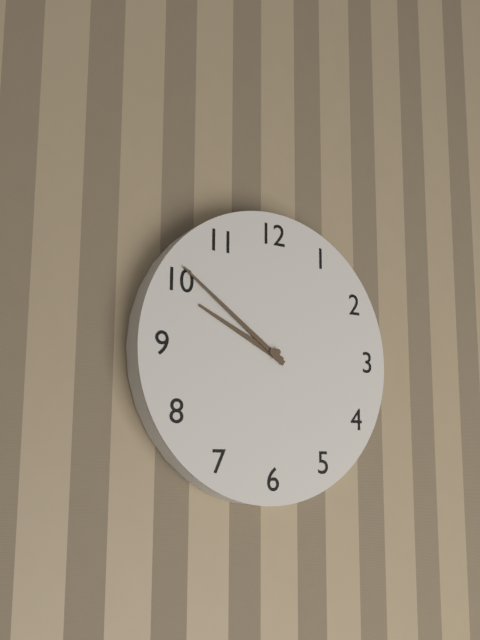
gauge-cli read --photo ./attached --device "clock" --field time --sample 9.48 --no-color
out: 9.51
